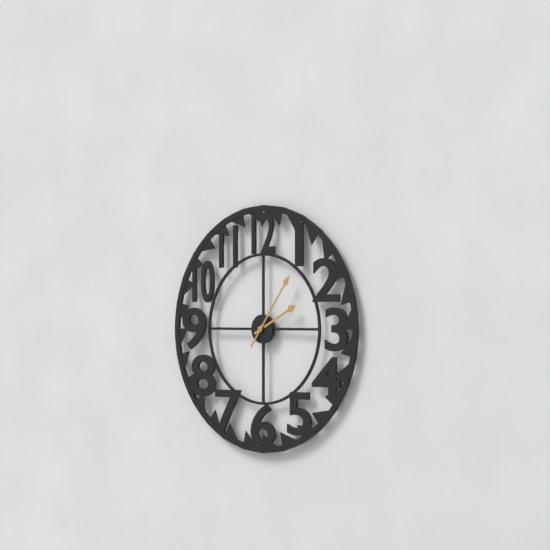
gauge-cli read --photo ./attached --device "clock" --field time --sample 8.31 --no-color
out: 2.06
